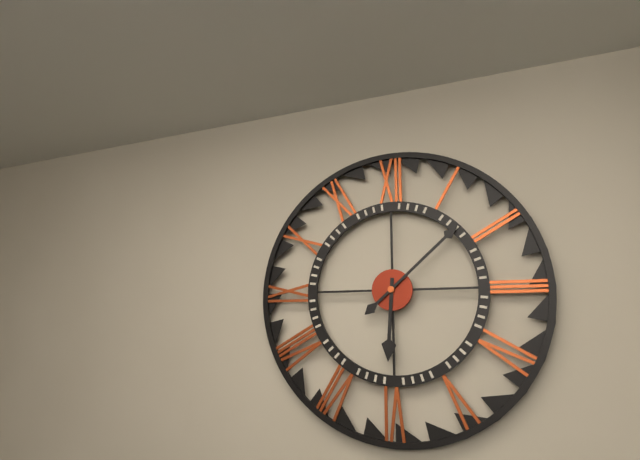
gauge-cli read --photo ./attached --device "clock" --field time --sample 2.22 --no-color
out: 6.08
